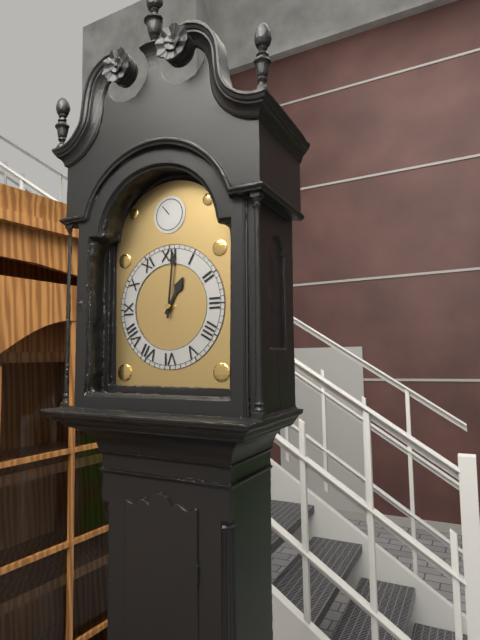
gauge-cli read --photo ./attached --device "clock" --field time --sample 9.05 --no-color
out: 1.01
